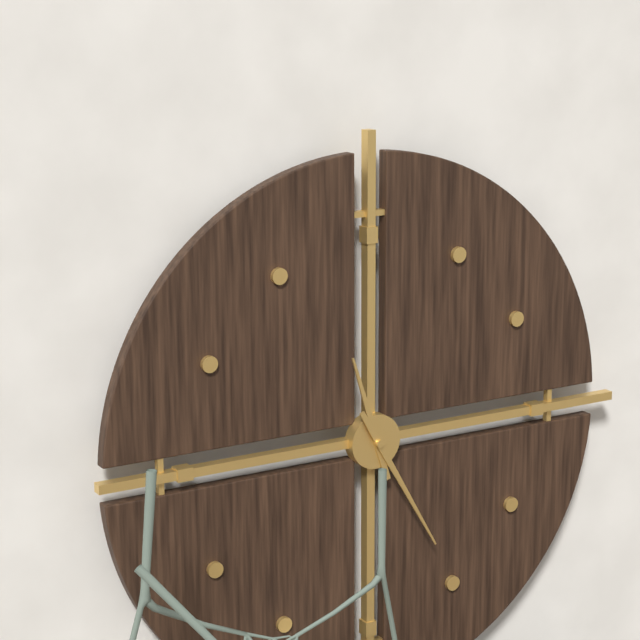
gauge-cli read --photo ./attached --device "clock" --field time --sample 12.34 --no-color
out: 11.25
